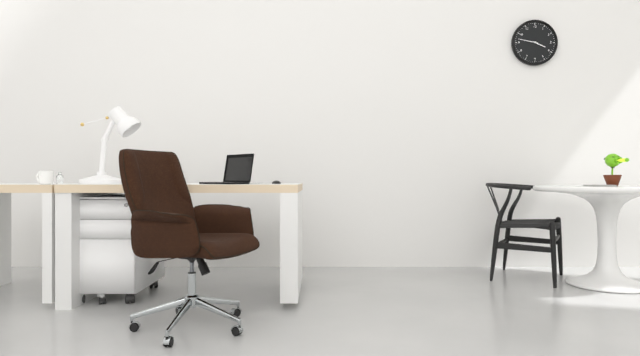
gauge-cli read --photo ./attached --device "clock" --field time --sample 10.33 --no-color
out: 3.47
